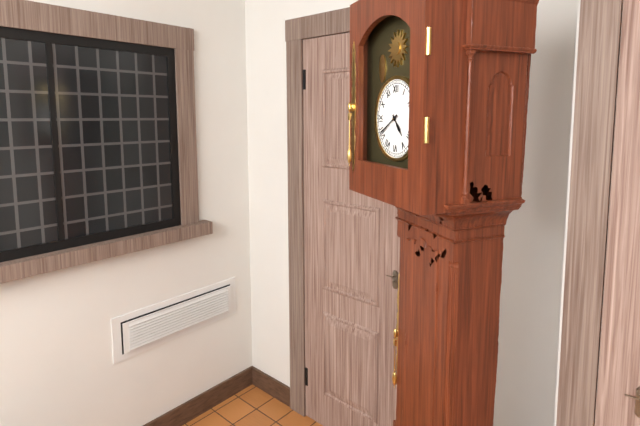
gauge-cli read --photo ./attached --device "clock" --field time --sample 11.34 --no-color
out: 4.40
